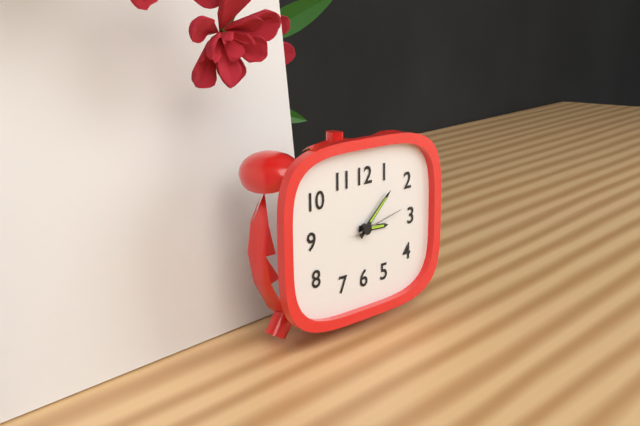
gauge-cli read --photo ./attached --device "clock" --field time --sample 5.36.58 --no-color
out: 3.08.13
